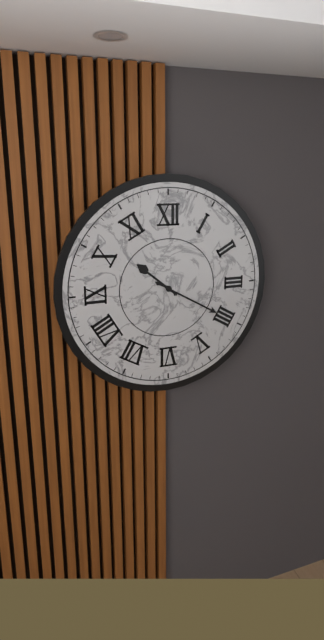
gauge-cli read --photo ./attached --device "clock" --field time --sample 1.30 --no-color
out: 10.20
